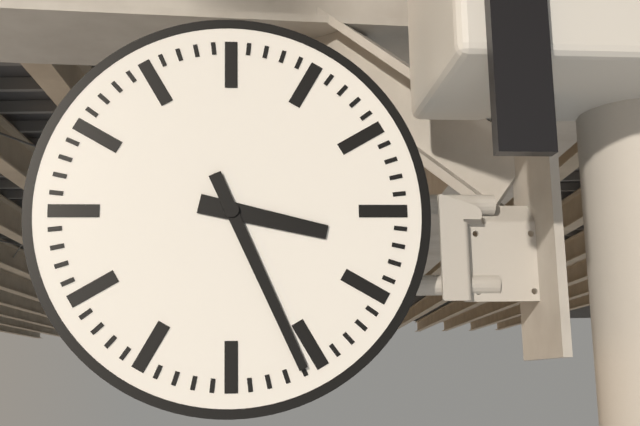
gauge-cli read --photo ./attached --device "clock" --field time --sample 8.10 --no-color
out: 3.26
